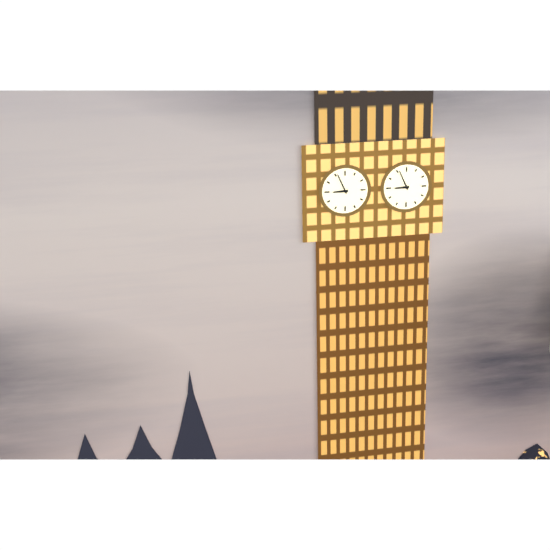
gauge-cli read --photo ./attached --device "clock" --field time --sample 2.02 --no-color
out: 8.56
